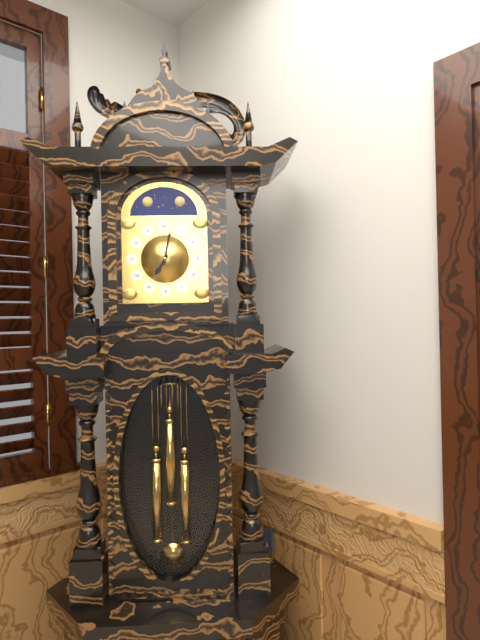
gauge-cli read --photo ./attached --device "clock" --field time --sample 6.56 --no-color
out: 7.02
